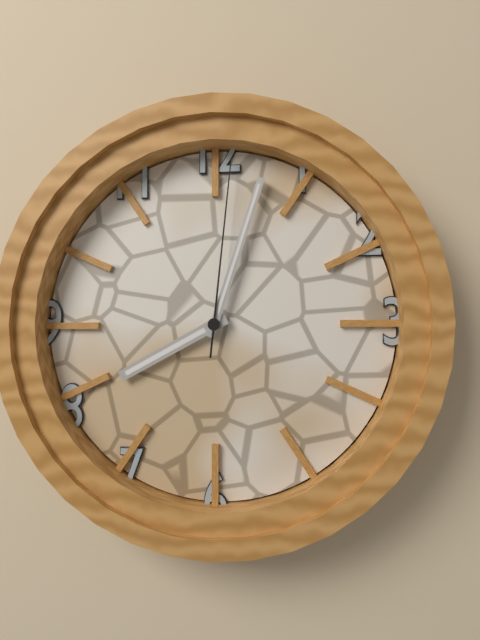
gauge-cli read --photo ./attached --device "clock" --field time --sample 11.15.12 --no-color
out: 8.03.01
